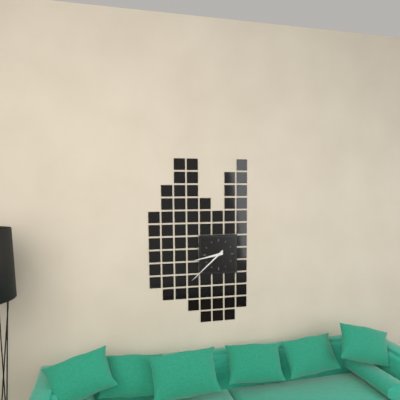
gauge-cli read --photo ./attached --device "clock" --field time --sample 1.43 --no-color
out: 8.38
